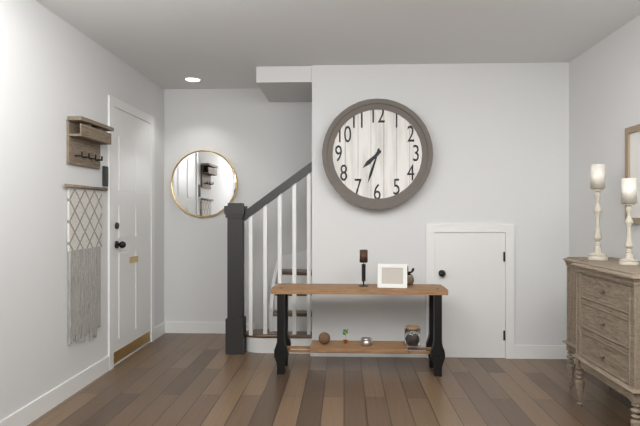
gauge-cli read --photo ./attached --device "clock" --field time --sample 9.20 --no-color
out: 7.33
